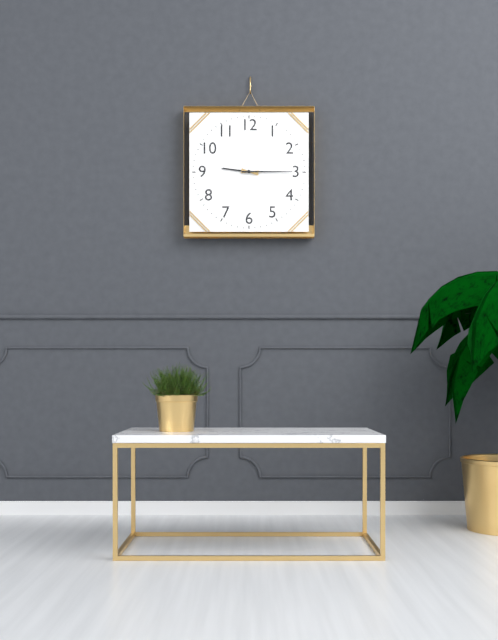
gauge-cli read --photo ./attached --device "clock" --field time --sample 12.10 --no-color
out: 9.15
